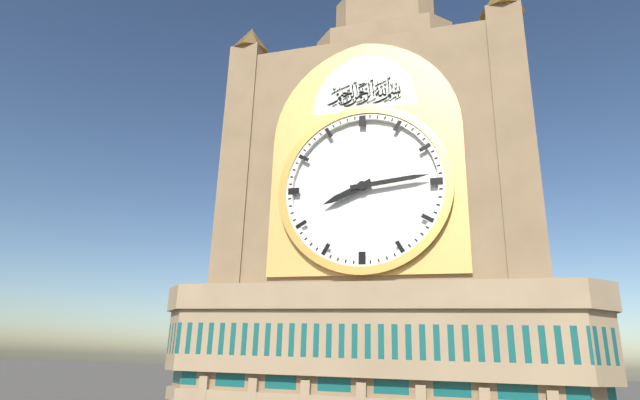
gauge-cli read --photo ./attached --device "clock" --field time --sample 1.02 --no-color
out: 8.14
